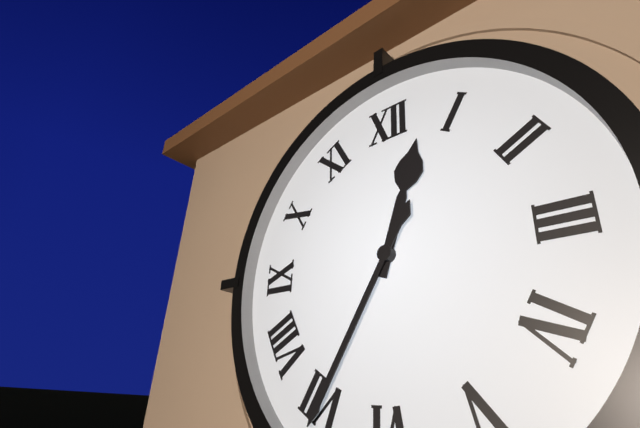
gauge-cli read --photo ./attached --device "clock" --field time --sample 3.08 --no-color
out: 12.35
